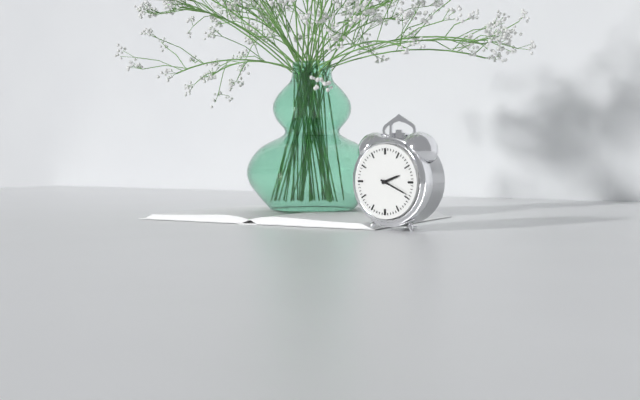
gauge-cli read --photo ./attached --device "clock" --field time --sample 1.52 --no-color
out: 2.19
